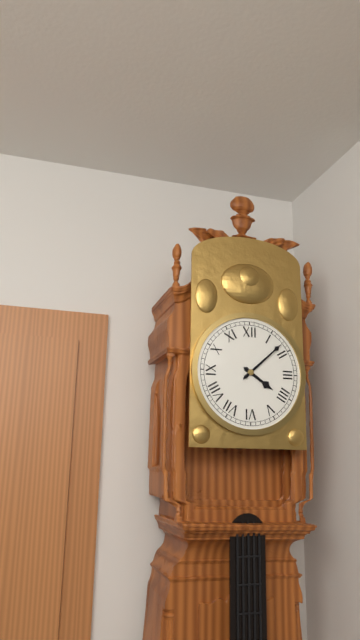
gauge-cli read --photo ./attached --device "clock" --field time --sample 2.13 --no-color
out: 4.08
